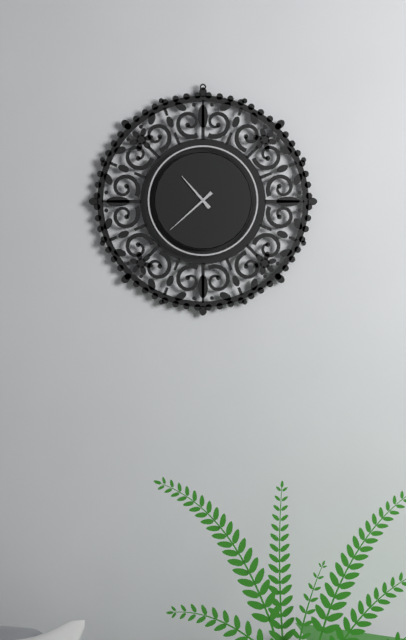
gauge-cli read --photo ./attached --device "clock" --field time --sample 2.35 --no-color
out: 10.38
